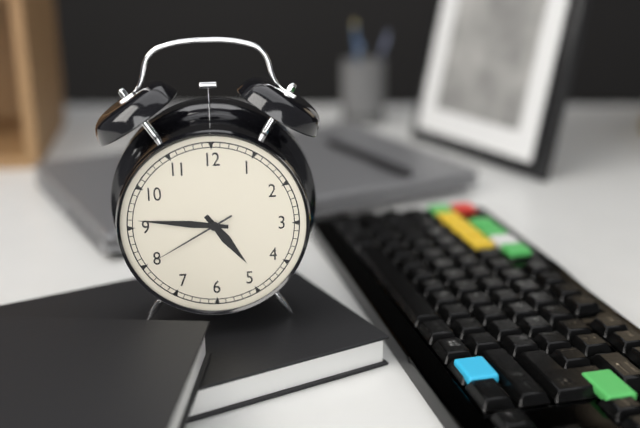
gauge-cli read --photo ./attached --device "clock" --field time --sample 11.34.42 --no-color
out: 4.46.40
